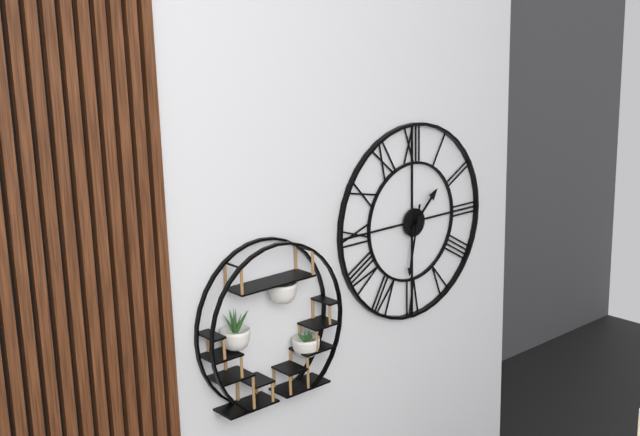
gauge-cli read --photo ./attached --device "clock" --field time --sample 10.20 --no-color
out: 1.32
